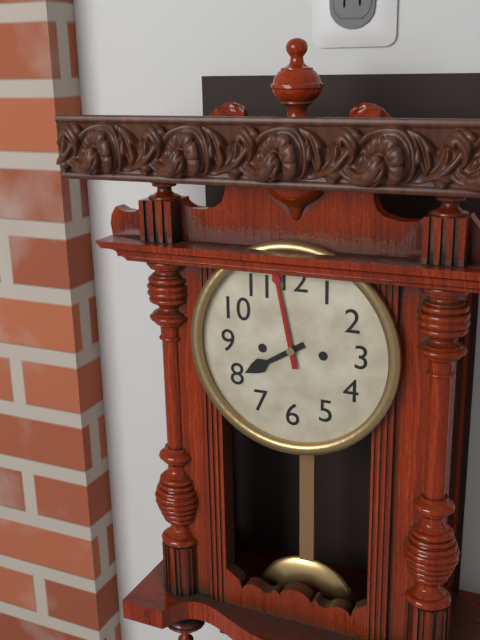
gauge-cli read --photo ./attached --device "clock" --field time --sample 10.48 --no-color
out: 7.58
